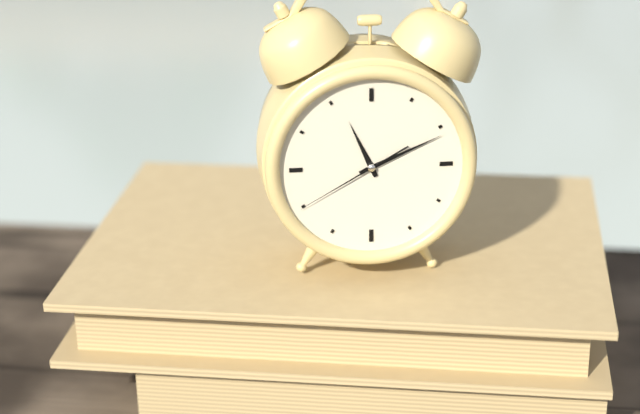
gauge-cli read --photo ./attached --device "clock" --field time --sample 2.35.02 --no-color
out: 11.11.40
